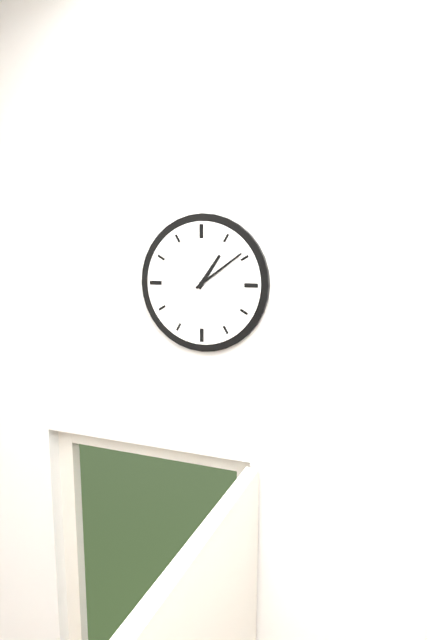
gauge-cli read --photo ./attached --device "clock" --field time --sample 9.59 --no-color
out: 1.09
